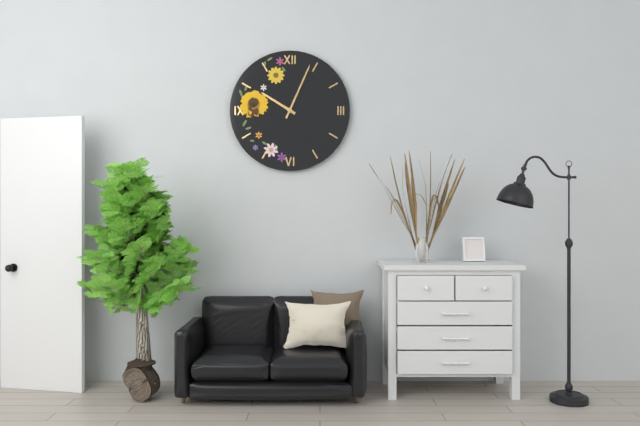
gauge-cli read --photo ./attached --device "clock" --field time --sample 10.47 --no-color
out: 10.04
